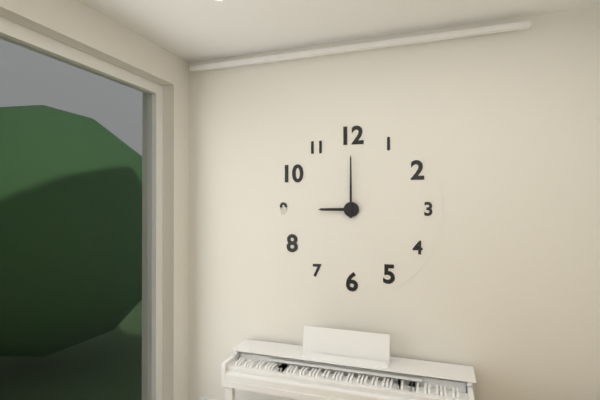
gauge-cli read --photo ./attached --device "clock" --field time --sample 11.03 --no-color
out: 9.00
